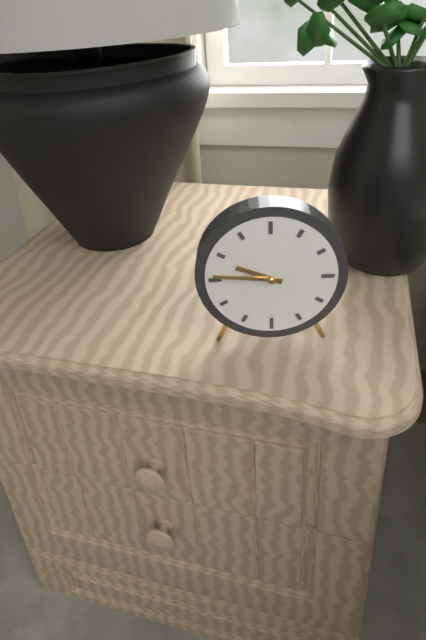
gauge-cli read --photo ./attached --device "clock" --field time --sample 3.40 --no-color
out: 9.46
